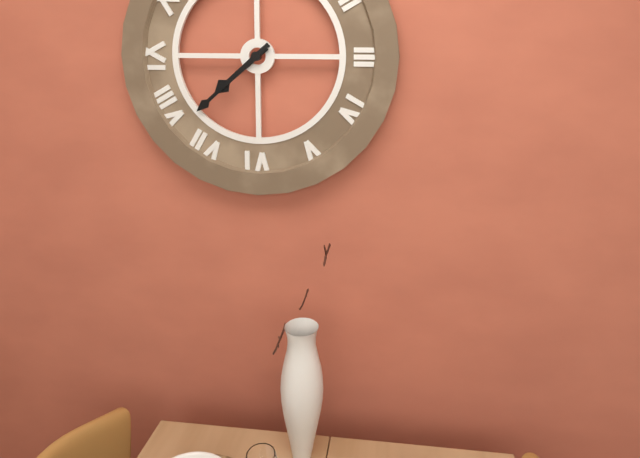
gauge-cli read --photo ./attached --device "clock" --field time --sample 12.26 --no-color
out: 7.38
